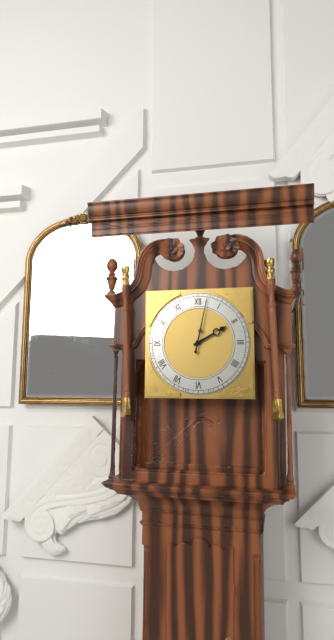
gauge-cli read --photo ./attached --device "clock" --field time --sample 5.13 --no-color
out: 2.02
